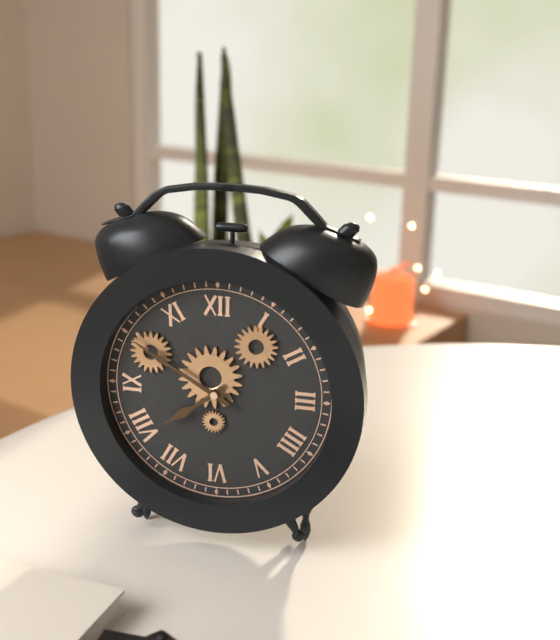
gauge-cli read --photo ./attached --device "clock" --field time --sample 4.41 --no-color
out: 7.50
